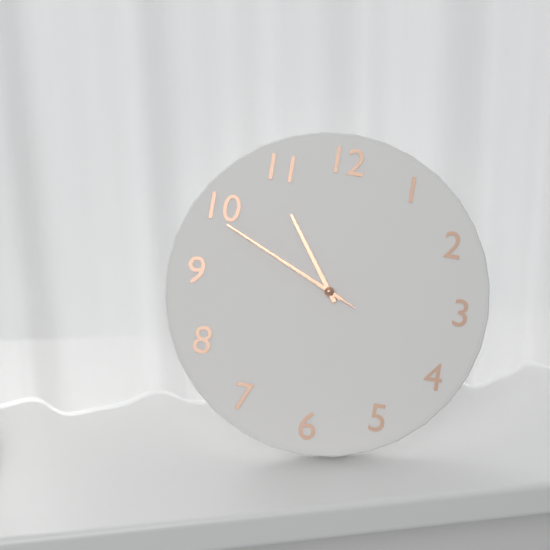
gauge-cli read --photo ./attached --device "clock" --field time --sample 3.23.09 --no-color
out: 10.49.49
